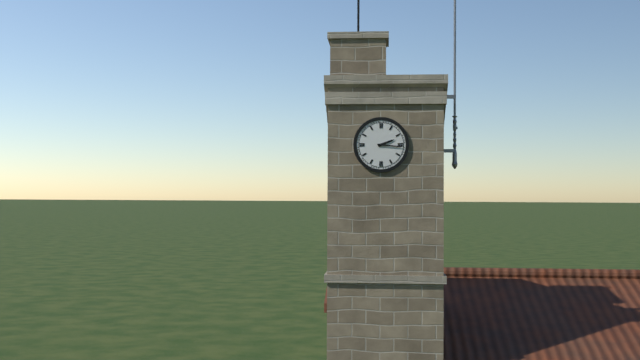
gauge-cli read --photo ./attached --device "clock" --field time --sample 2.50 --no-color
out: 2.16
